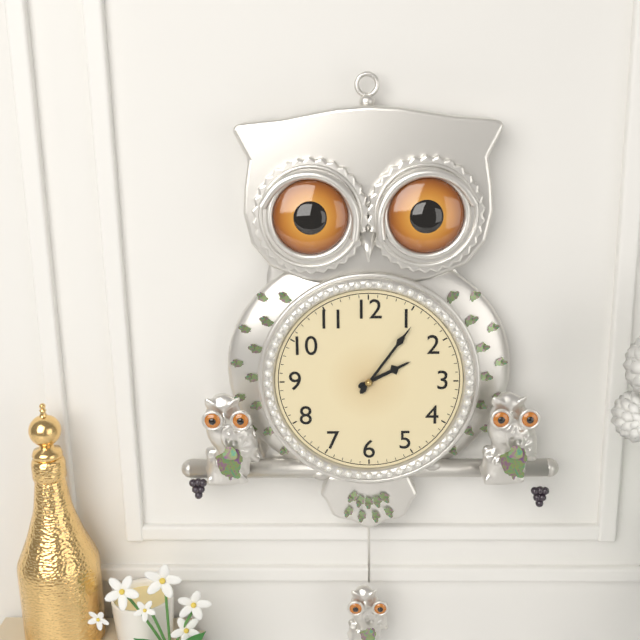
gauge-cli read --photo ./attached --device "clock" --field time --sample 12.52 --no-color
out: 2.06
